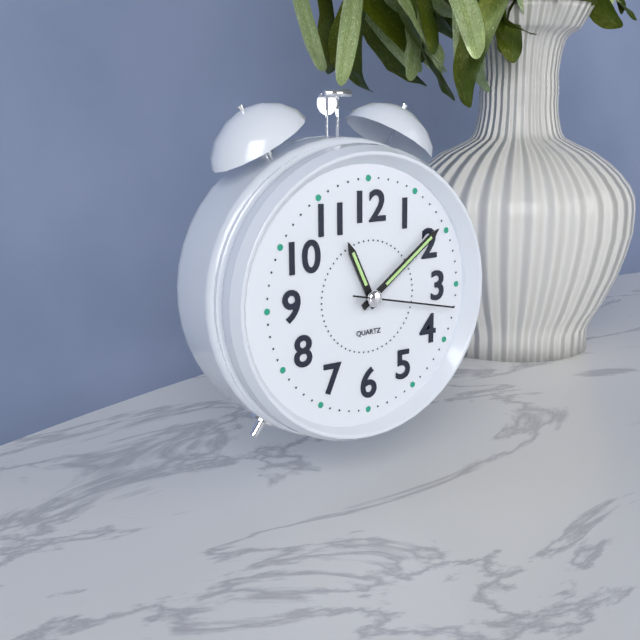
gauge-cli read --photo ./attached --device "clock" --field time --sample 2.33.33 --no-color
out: 11.09.17
